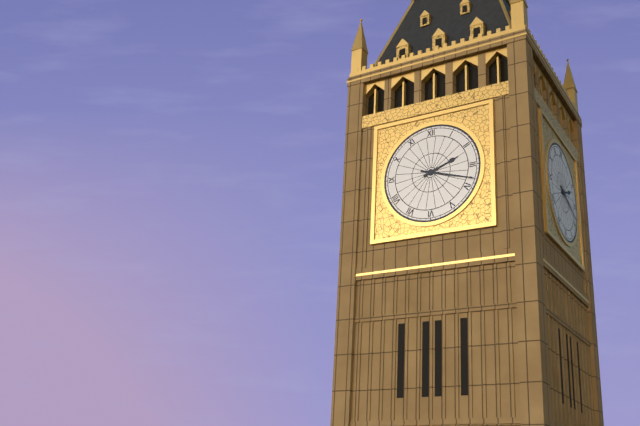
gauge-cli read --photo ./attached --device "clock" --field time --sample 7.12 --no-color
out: 2.18
